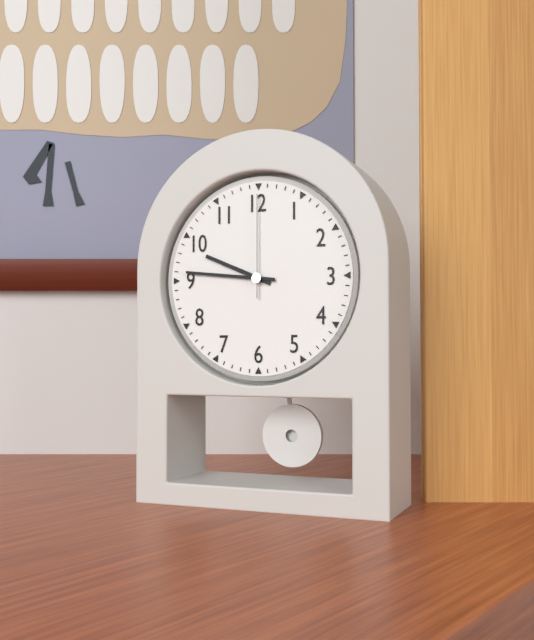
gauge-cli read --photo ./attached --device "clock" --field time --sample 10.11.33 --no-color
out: 9.46.00
